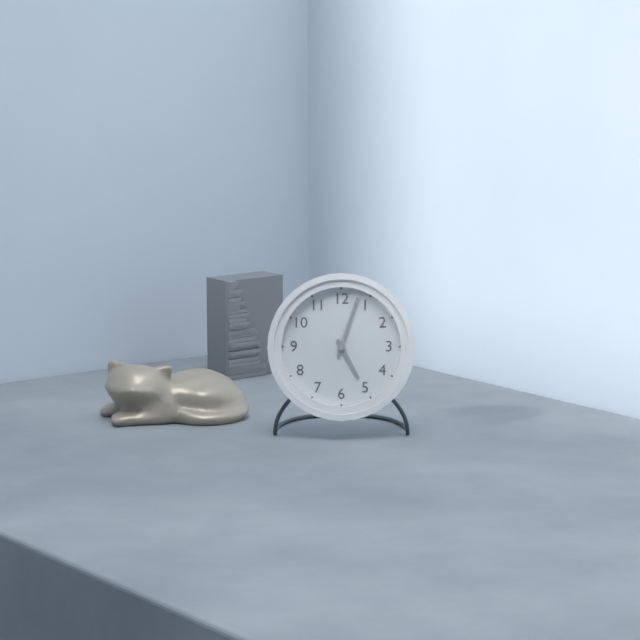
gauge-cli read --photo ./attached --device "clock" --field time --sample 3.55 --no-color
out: 5.03
